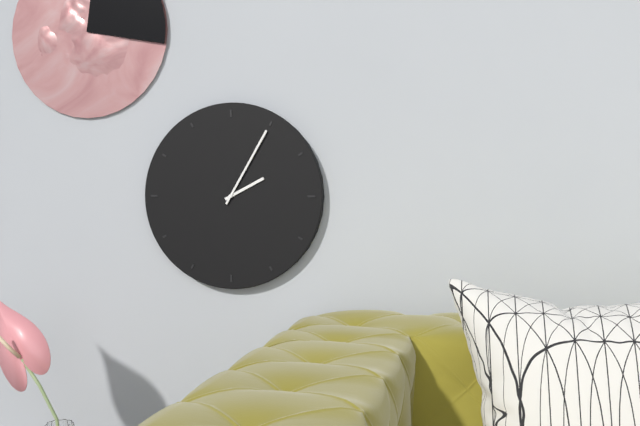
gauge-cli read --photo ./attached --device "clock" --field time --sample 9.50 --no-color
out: 2.05
